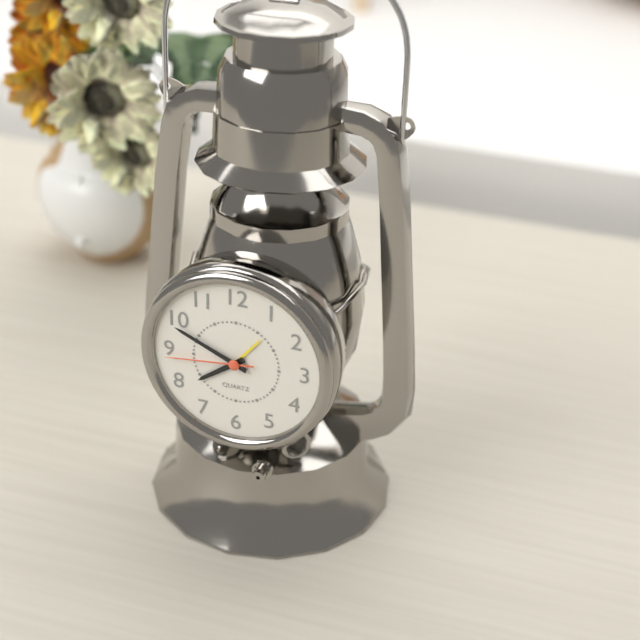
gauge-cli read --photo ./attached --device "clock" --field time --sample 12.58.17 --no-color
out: 7.49.44
